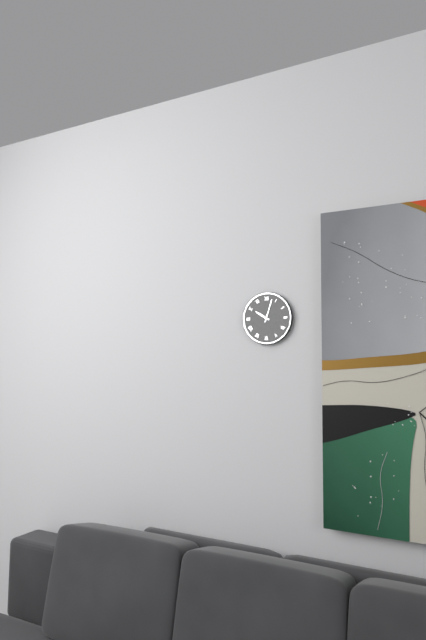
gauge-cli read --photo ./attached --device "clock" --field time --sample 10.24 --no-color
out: 10.03
